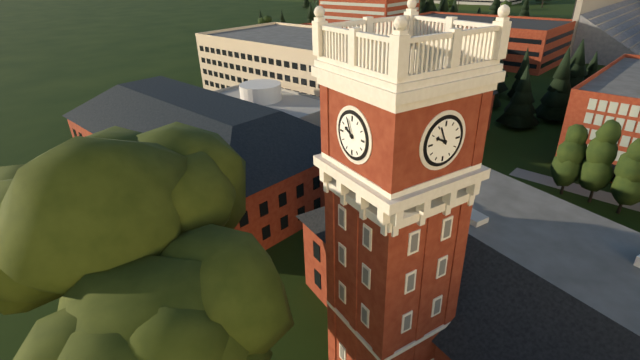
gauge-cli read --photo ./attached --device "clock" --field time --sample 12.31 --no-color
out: 9.56
